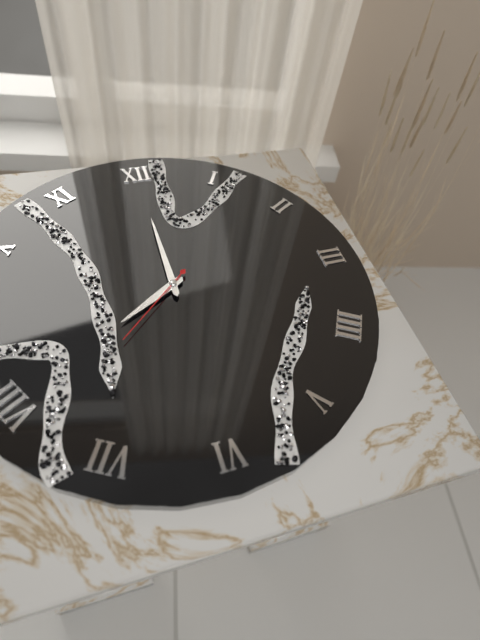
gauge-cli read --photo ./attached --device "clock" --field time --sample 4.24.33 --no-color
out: 8.00.38
